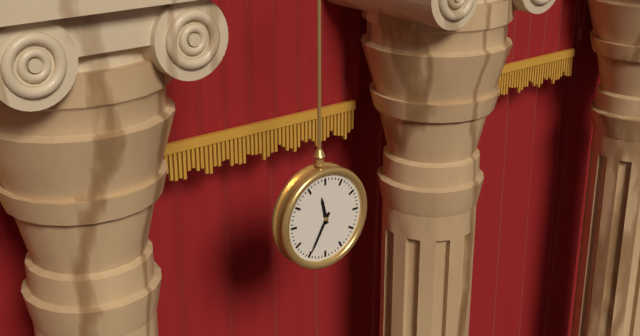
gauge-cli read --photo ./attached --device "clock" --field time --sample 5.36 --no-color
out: 11.35
